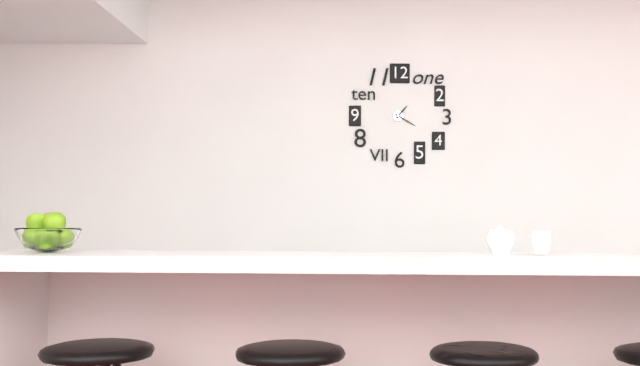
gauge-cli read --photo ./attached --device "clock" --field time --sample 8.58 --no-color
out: 1.20
